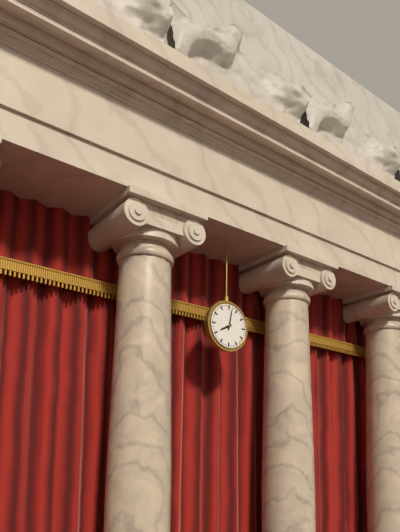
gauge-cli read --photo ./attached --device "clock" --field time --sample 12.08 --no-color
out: 8.02
